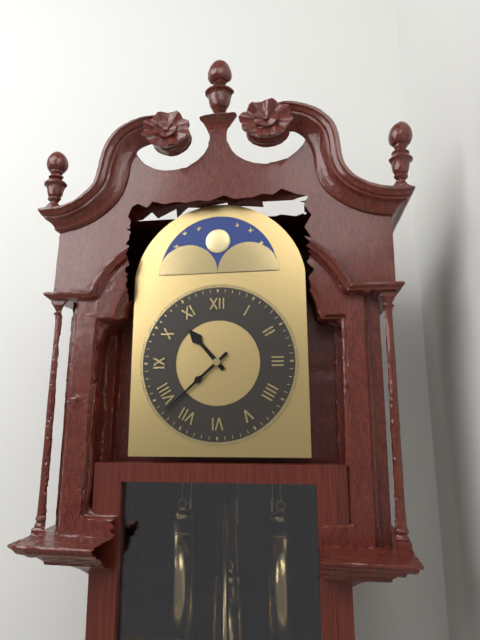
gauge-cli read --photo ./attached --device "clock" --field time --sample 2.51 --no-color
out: 10.38
